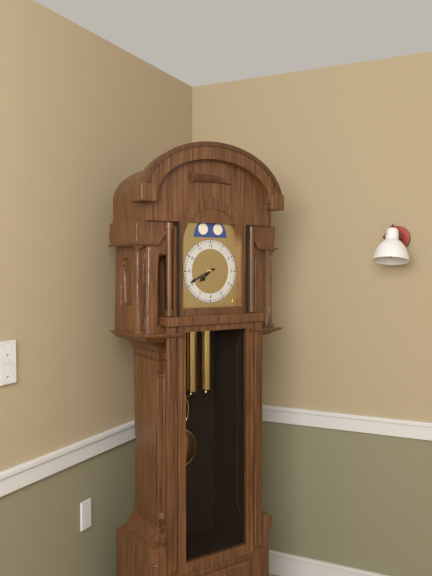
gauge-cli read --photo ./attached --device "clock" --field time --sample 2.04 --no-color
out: 7.41
